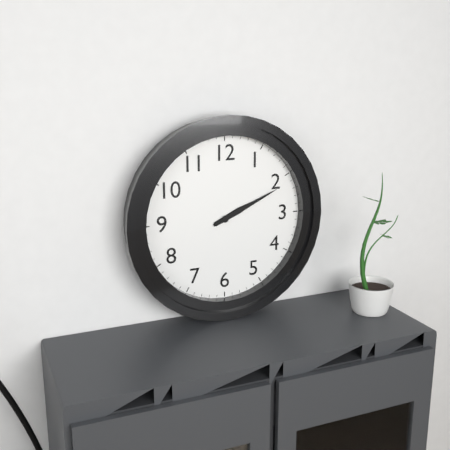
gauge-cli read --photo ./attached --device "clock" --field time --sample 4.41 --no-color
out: 2.11
